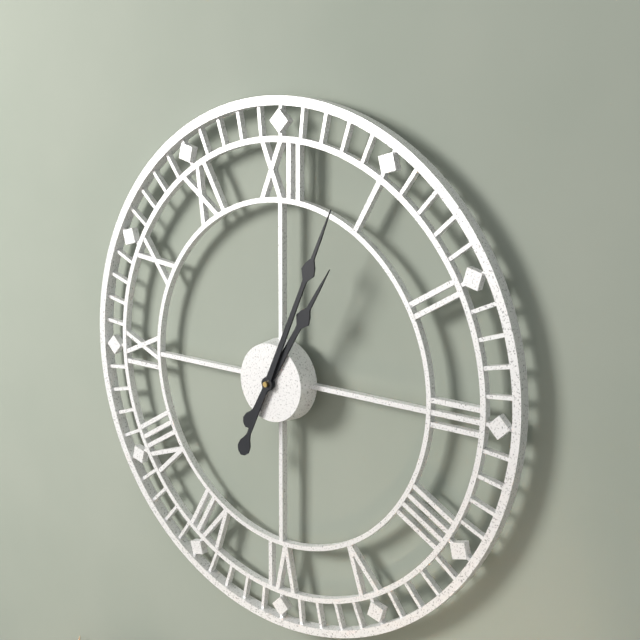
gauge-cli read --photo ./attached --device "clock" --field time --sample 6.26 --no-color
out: 1.04
